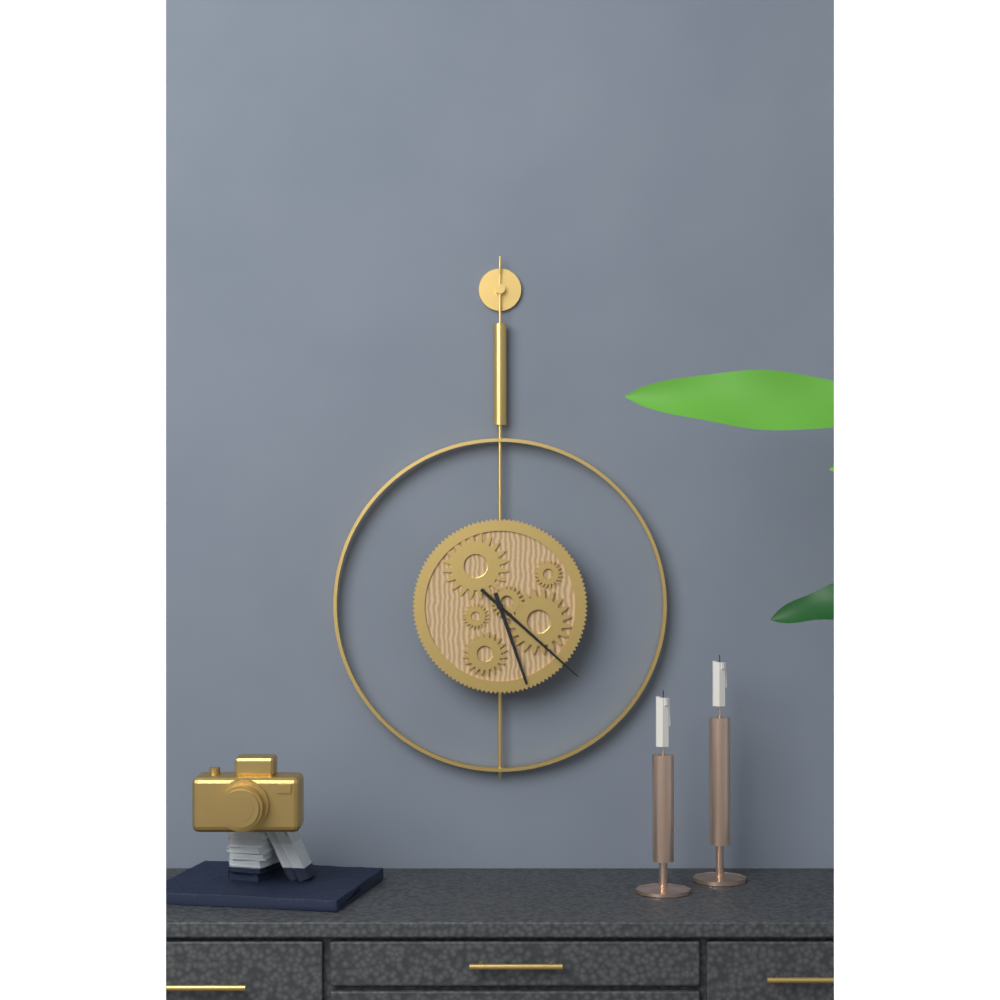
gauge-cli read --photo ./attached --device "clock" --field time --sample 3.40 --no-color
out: 5.22
